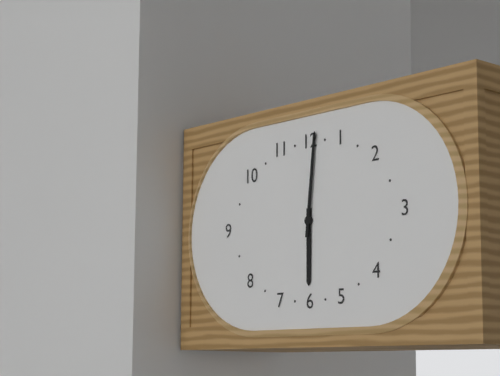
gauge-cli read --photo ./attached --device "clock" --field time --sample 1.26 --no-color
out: 6.01
